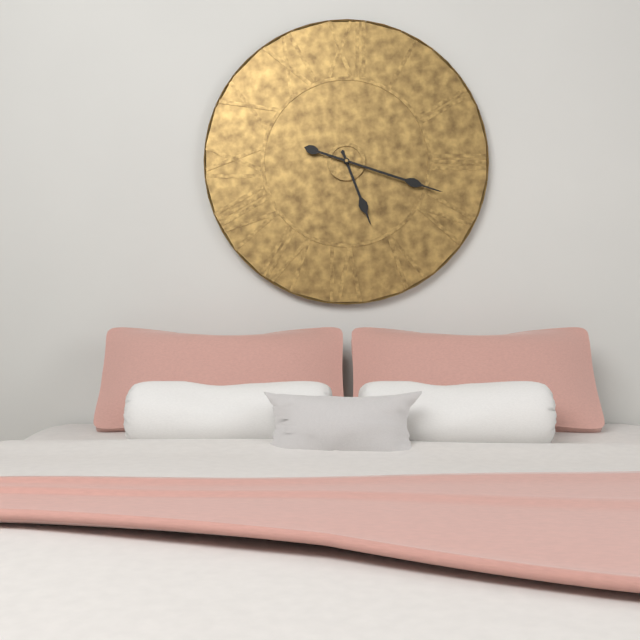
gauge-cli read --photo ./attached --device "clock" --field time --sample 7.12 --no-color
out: 5.18
